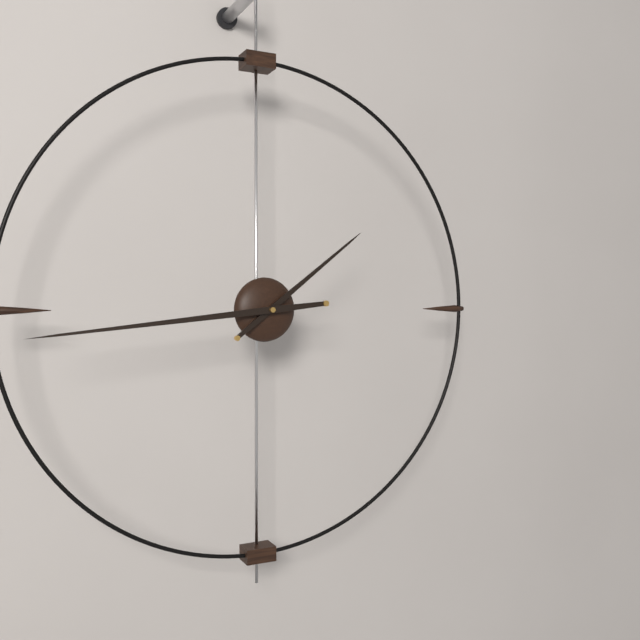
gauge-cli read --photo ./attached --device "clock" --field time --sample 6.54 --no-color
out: 1.44
